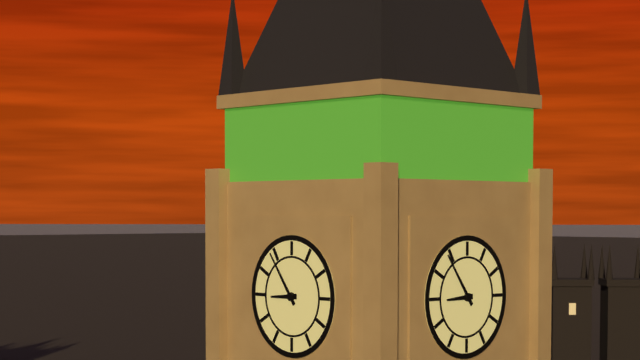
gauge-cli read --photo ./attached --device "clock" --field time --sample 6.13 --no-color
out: 8.54
